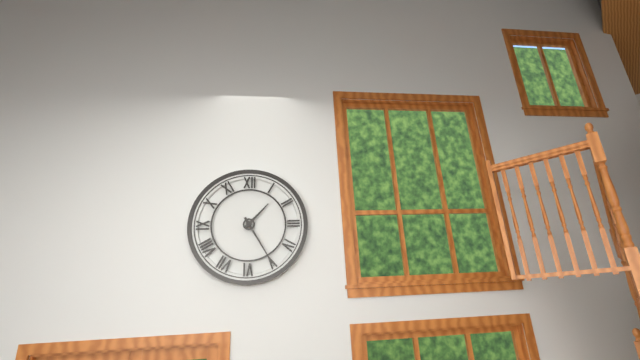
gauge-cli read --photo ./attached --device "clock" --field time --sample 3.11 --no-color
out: 1.25
